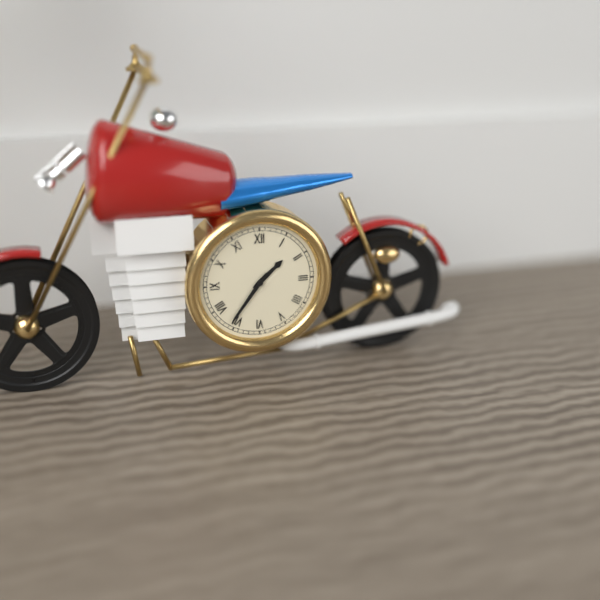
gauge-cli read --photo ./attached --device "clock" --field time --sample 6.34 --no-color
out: 1.36
